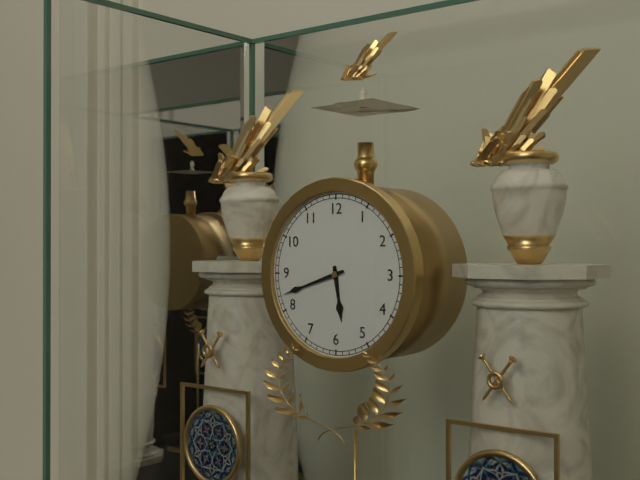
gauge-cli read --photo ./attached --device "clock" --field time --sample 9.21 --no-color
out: 5.42
